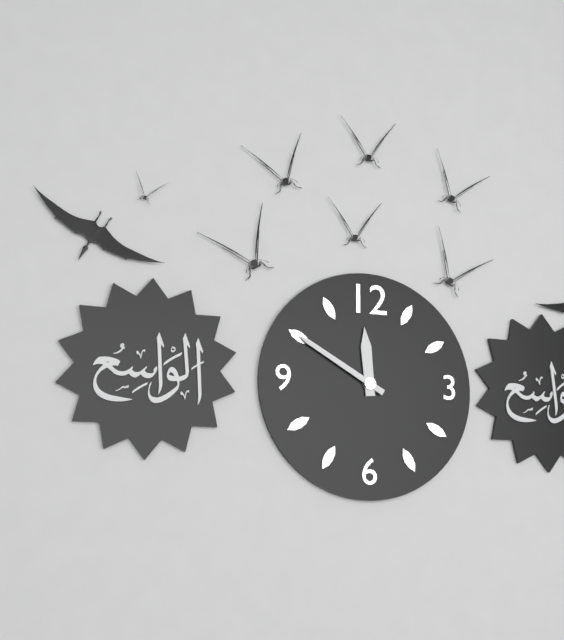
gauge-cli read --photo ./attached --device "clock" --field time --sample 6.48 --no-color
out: 11.50
